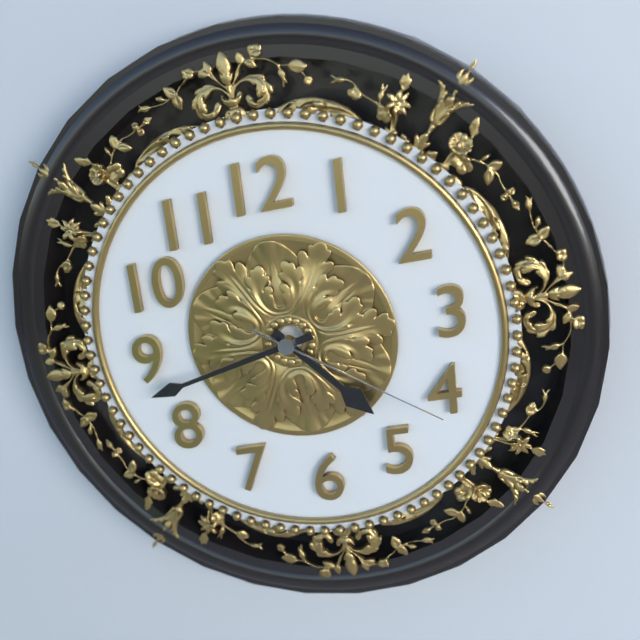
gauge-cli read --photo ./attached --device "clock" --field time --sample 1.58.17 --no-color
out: 4.43.21
